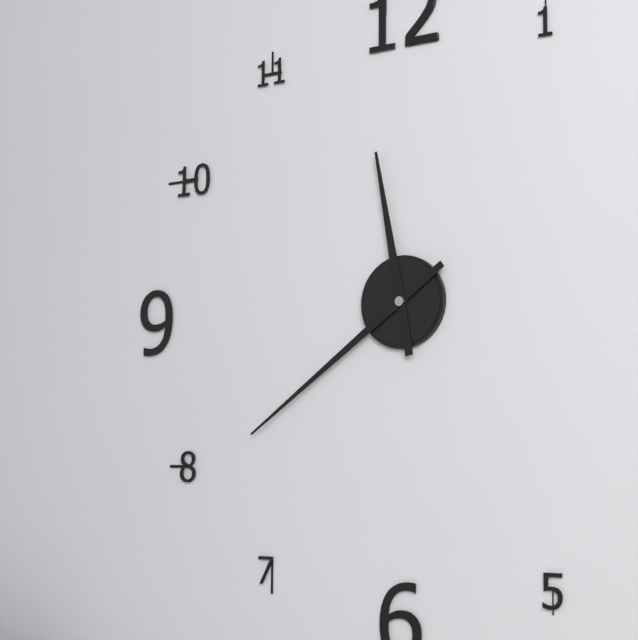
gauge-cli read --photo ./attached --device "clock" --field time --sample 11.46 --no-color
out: 11.39
